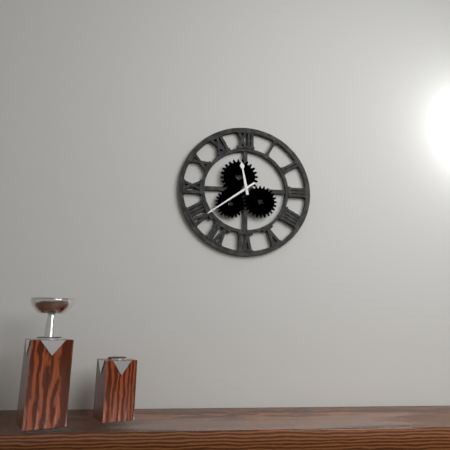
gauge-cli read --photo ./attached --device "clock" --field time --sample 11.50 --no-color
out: 11.39
